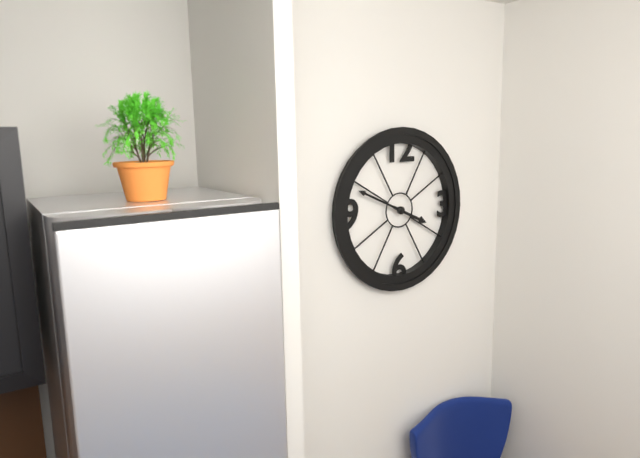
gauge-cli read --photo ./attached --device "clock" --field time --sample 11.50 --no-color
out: 3.49
